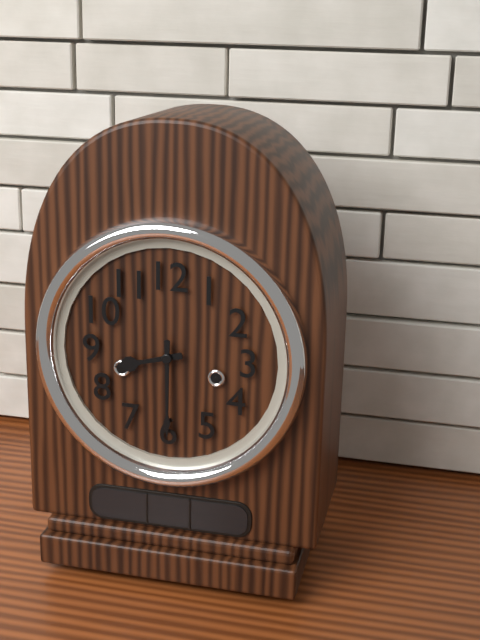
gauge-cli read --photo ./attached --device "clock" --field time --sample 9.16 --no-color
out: 8.30
